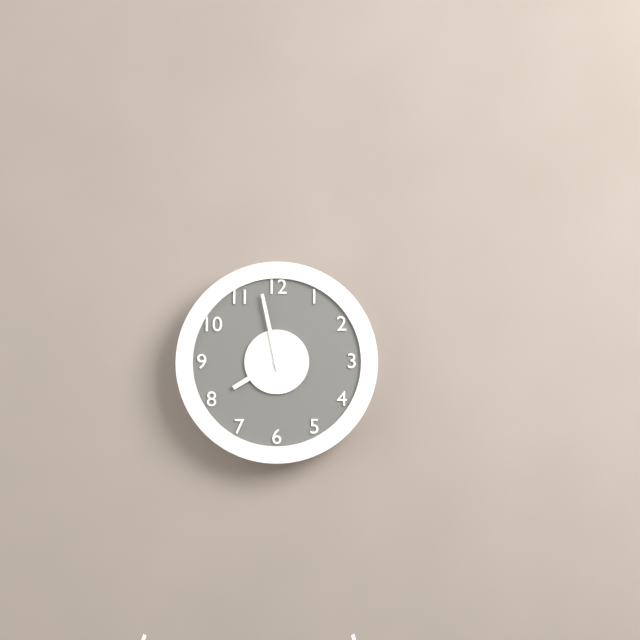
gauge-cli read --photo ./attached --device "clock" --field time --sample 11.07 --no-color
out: 7.58
